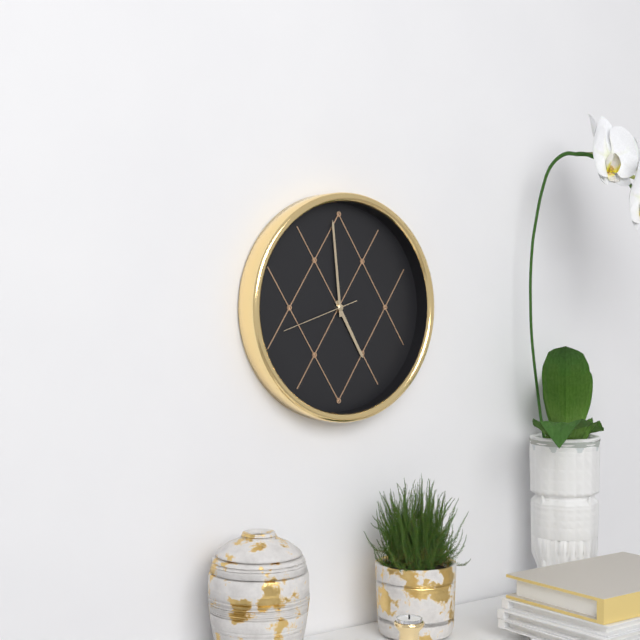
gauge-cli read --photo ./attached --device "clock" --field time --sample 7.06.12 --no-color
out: 4.59.42
